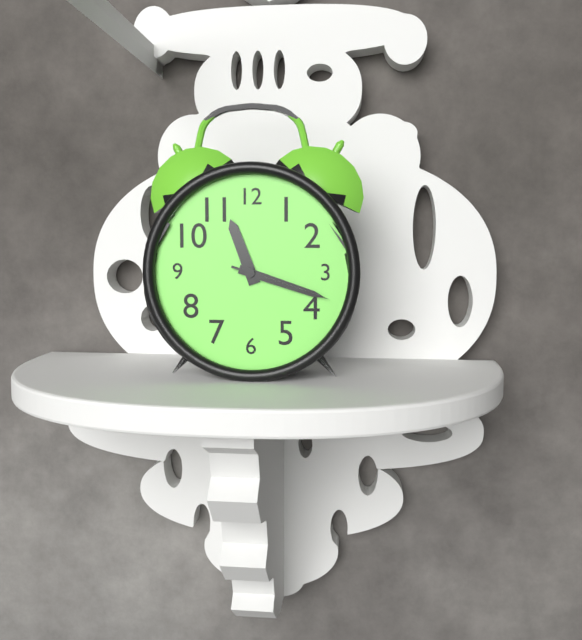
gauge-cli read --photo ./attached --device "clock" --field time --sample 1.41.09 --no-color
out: 11.18.18
